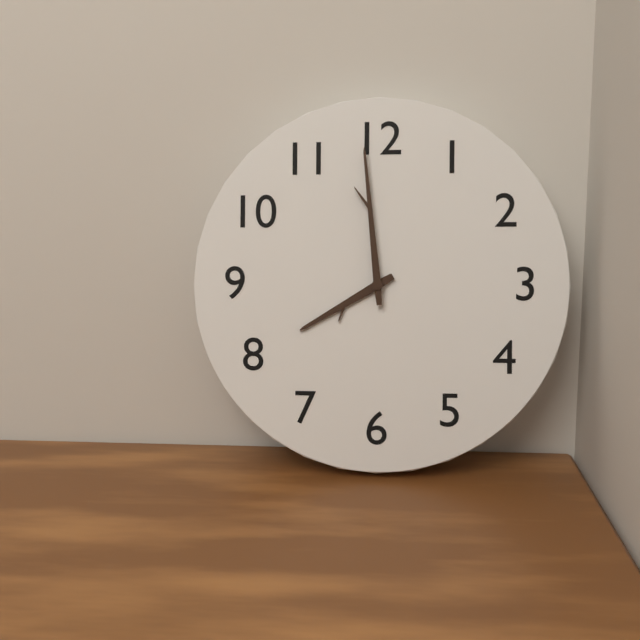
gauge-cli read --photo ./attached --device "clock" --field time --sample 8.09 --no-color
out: 7.59
